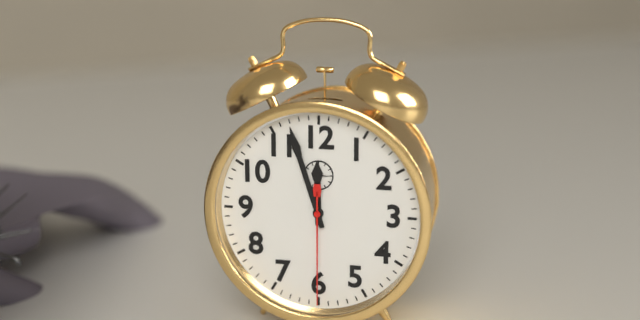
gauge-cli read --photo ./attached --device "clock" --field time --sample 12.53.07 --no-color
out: 11.57.30
